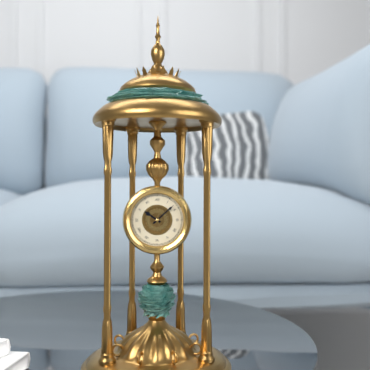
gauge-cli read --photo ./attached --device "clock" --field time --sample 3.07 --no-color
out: 10.08
